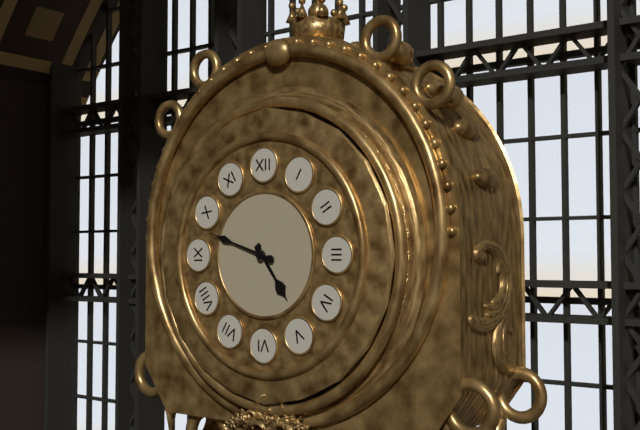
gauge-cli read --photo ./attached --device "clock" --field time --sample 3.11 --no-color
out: 4.48
